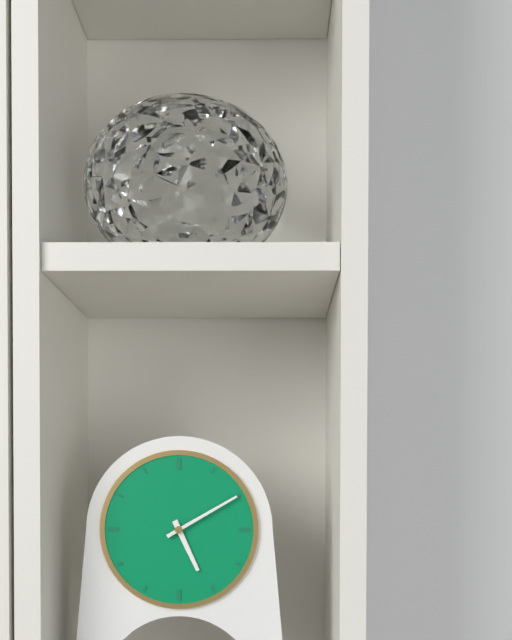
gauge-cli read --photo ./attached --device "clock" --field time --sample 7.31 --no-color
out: 5.10
